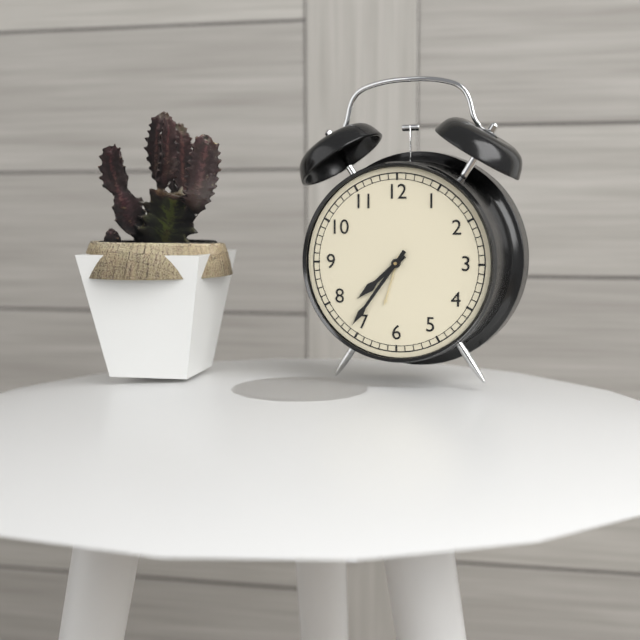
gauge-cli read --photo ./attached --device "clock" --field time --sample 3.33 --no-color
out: 7.36
